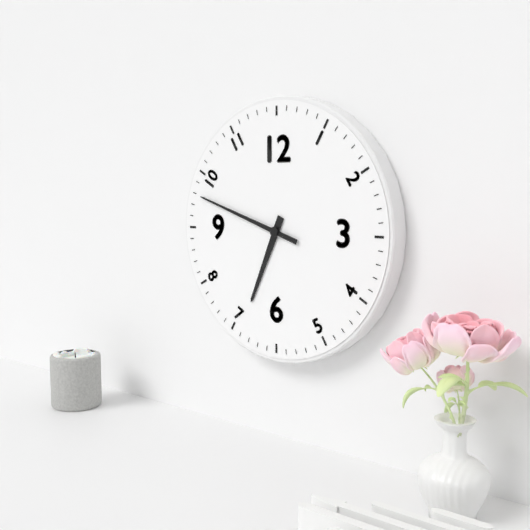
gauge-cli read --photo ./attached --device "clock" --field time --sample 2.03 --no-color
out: 6.48
